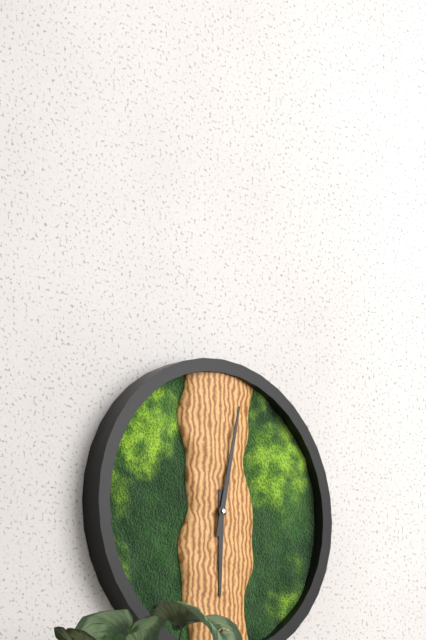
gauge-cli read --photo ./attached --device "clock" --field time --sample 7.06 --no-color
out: 6.02
